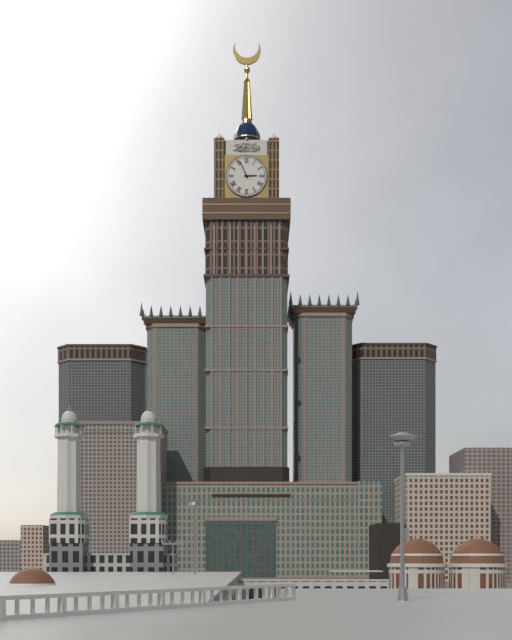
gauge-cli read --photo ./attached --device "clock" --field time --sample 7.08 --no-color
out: 2.56
